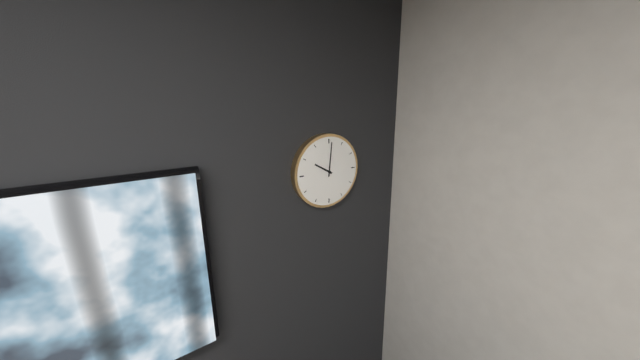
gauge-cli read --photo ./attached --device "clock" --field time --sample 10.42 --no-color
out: 10.01
